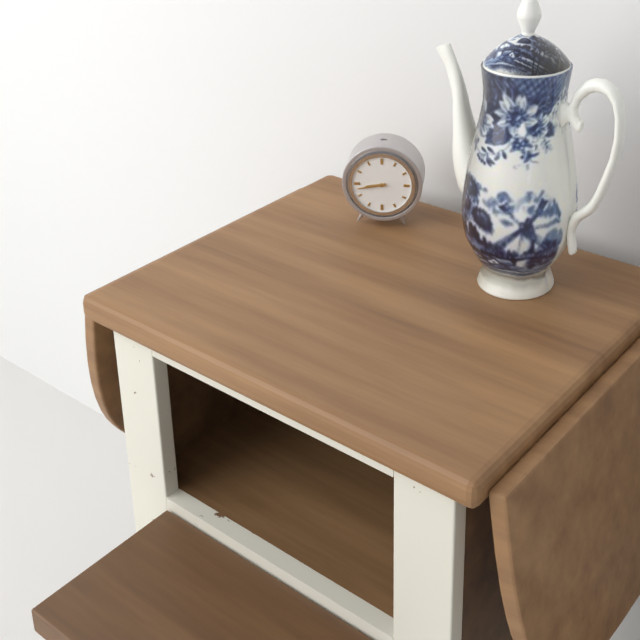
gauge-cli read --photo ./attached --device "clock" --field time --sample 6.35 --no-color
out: 8.43
